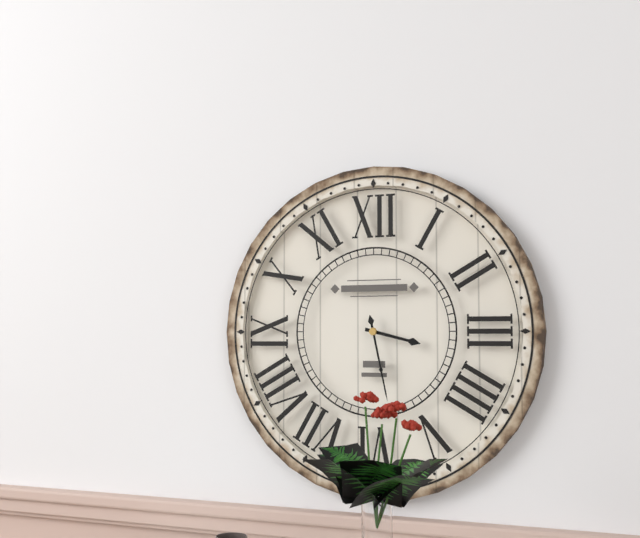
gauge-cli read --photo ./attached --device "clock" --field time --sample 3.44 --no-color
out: 3.28
